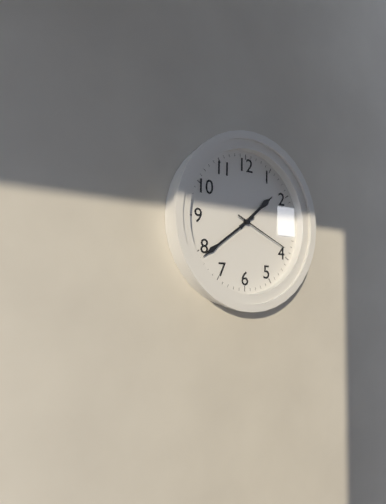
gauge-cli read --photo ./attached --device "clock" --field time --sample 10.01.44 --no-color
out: 1.39.19
